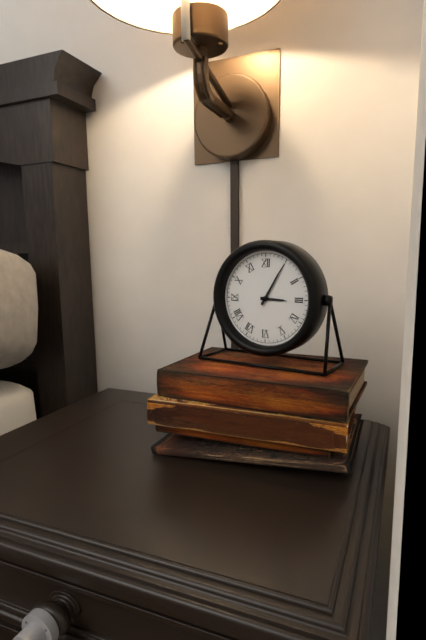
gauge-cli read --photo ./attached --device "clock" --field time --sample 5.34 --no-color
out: 3.05
